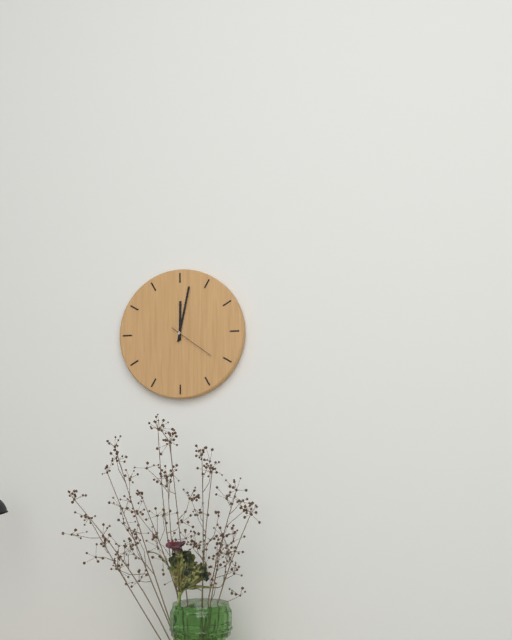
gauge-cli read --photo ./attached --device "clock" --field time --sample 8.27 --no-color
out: 12.02
